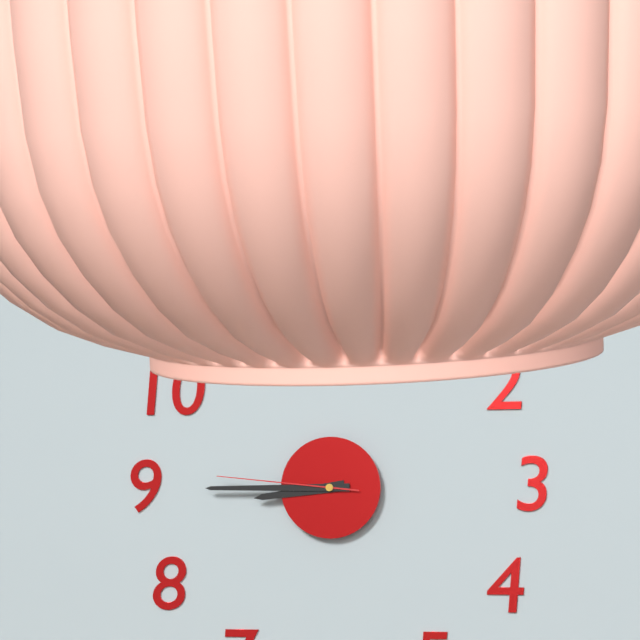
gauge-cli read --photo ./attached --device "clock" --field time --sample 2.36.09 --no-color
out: 8.45.46
